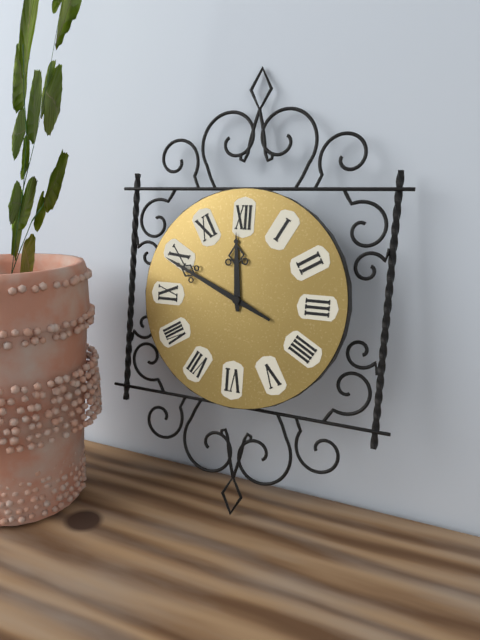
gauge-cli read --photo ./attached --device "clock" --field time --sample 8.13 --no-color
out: 11.49
